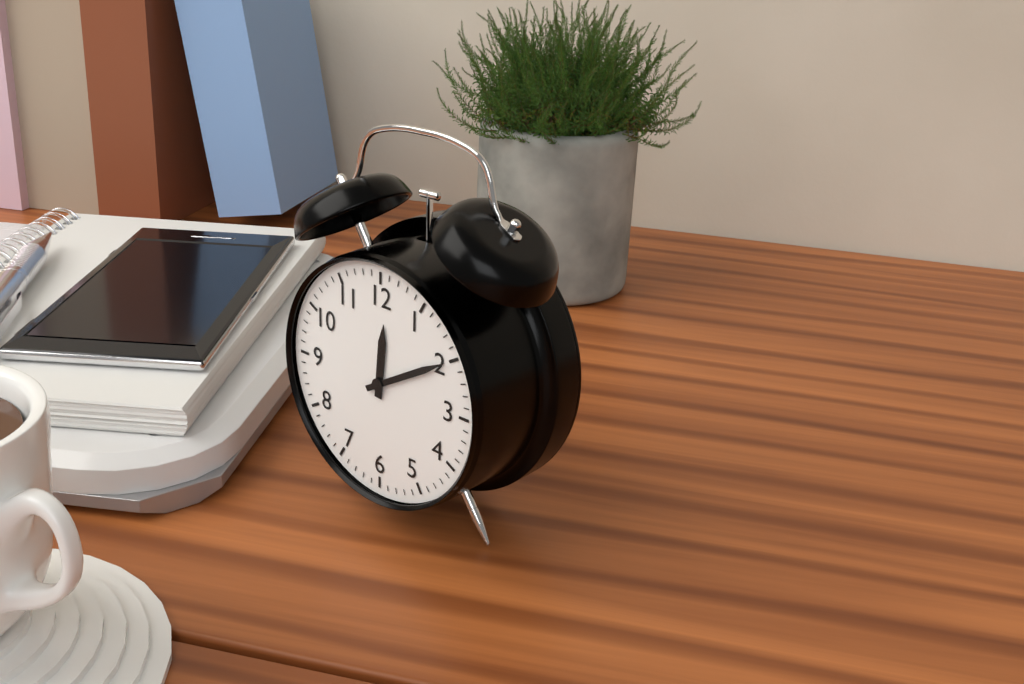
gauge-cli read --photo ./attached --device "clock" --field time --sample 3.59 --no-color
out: 12.10
